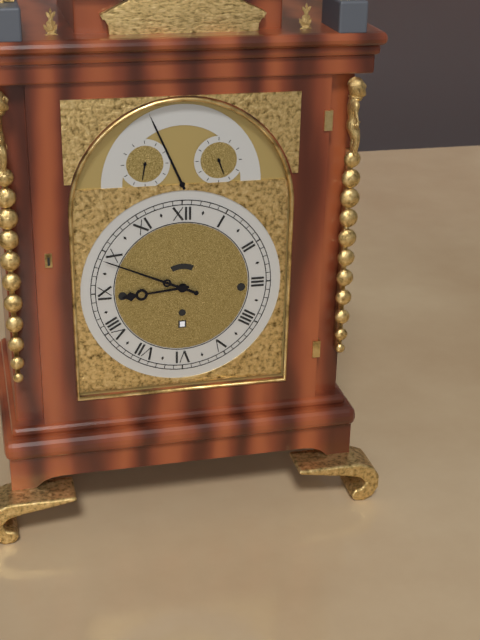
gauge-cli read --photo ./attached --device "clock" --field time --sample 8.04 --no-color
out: 8.49
